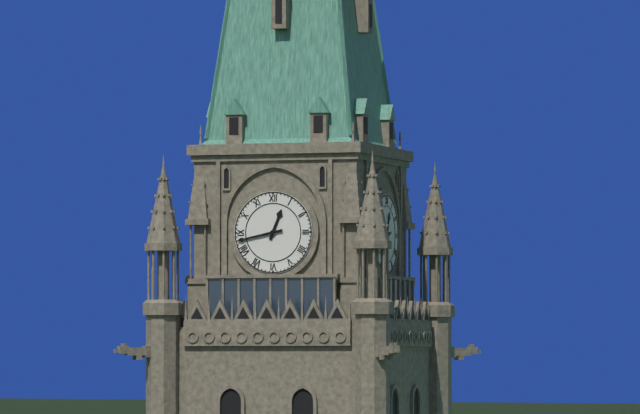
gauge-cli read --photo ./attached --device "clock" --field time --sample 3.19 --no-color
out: 12.43
